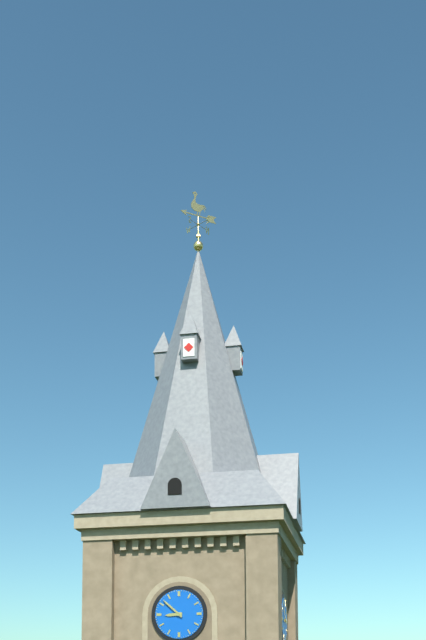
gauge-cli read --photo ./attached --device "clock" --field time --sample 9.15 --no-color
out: 8.52
